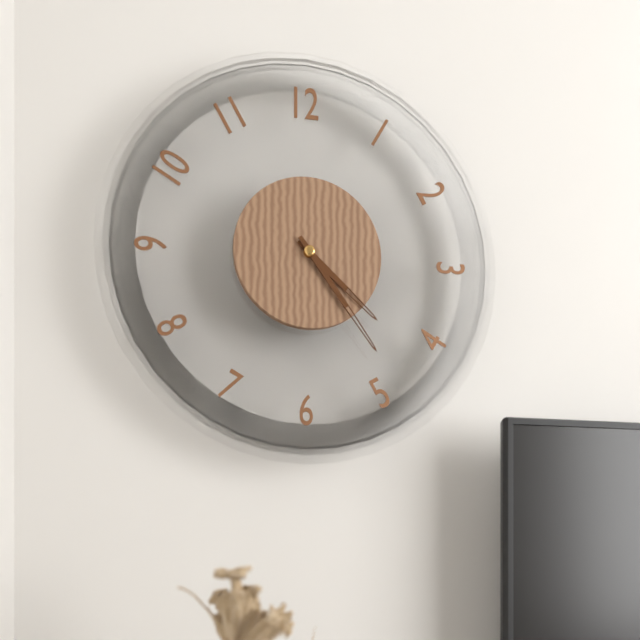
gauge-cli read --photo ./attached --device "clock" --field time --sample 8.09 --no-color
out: 4.24
